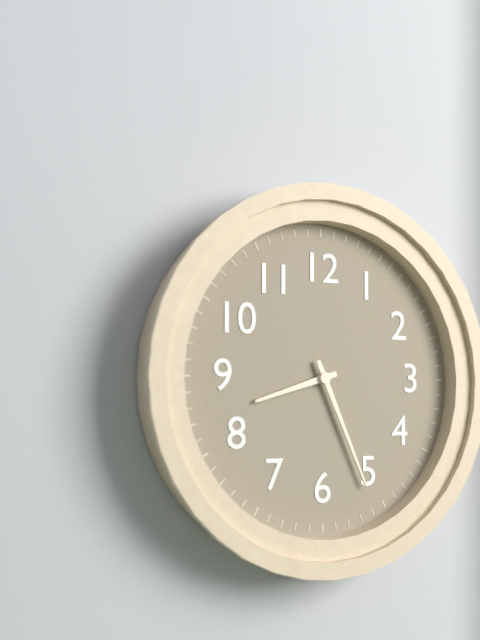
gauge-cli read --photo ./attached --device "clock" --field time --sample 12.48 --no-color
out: 8.26
